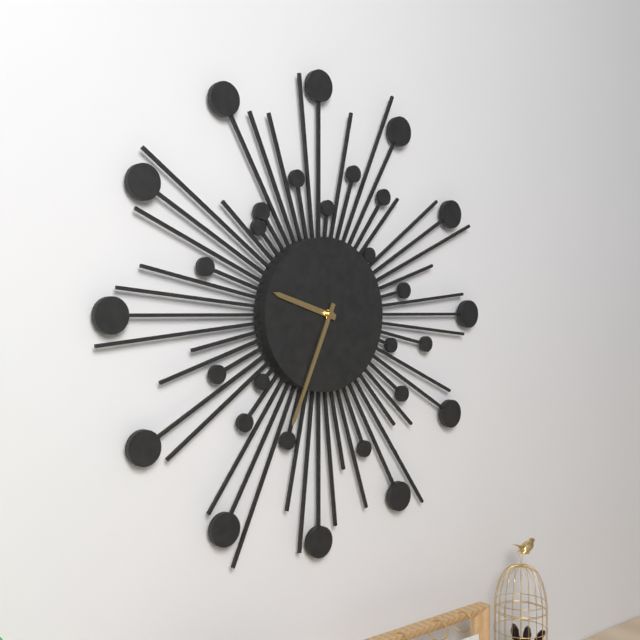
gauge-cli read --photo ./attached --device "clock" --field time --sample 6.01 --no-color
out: 9.34
